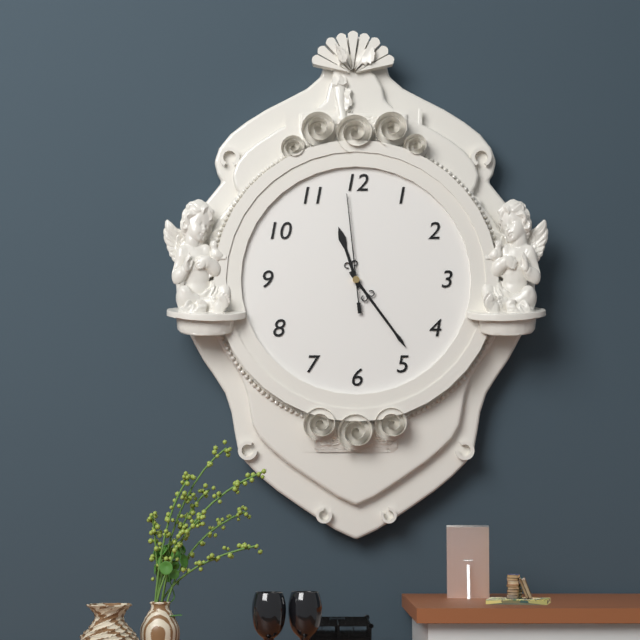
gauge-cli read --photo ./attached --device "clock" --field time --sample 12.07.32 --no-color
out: 11.24.59
